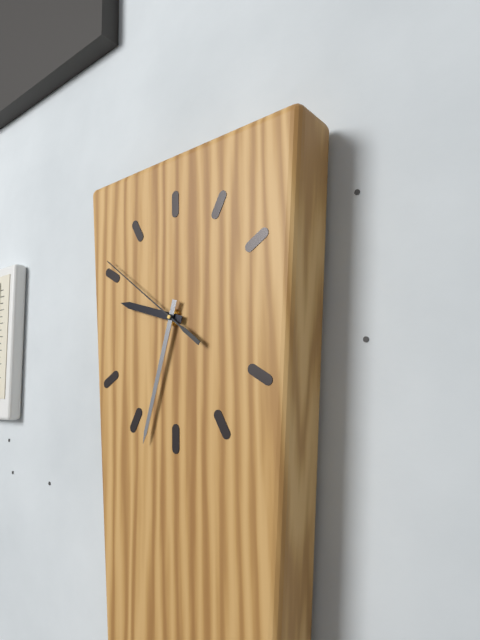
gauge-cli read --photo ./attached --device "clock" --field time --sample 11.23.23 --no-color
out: 9.33.51
